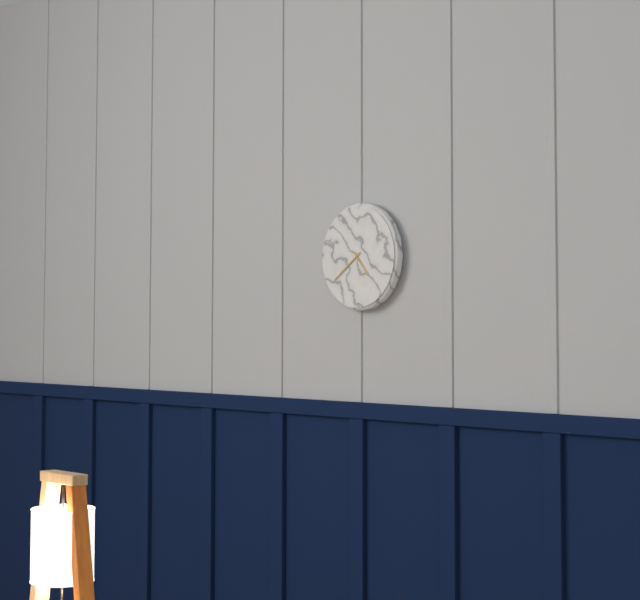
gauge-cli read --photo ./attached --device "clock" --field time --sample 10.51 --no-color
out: 4.39
